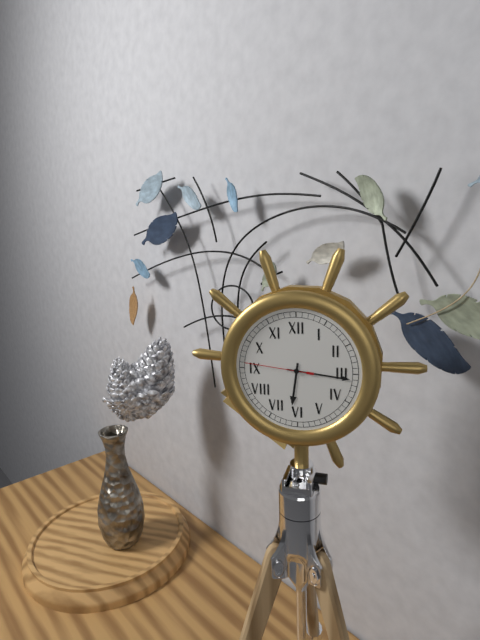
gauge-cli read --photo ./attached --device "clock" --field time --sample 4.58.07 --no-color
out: 6.16.46
